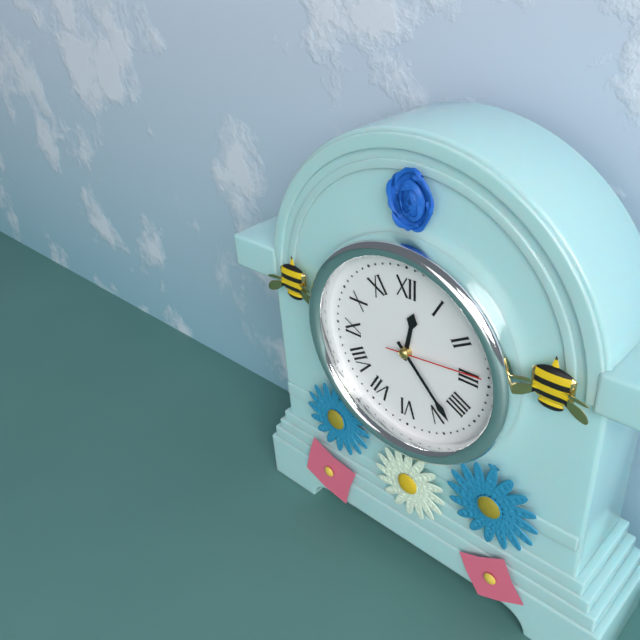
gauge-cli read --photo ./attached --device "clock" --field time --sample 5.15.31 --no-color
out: 12.23.14
